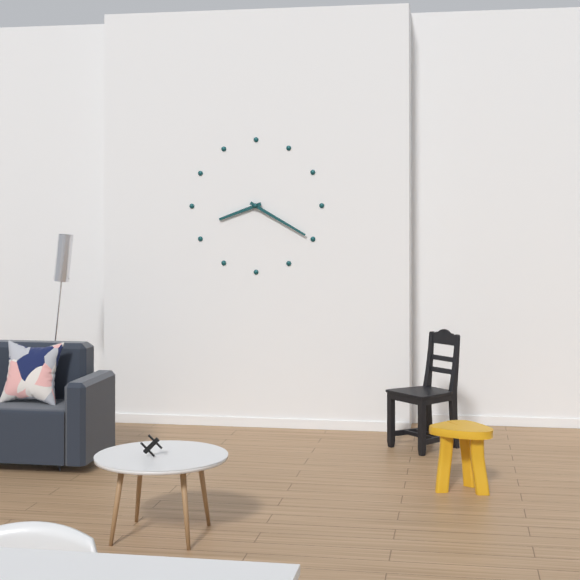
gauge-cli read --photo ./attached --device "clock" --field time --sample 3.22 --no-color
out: 8.20
